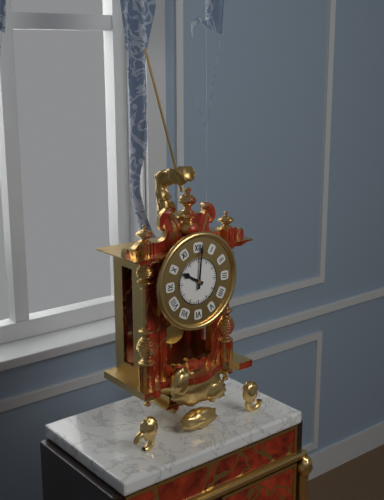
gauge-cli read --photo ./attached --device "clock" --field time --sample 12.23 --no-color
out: 10.01
